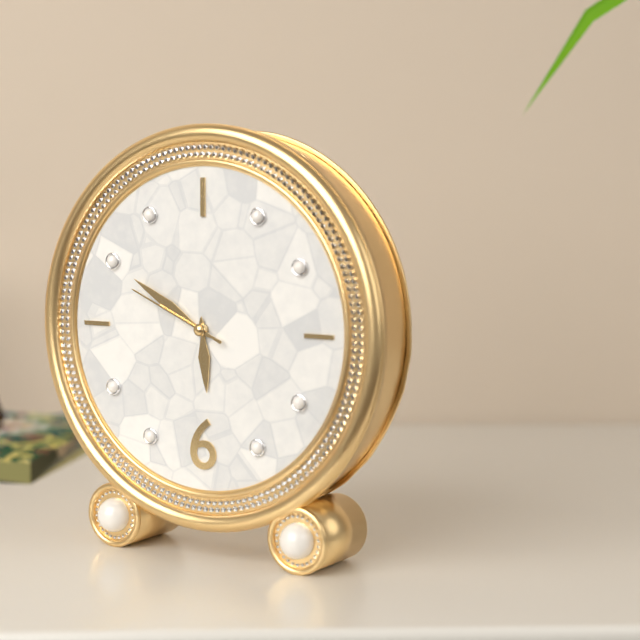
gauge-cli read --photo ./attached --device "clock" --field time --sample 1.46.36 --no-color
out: 5.50.49
